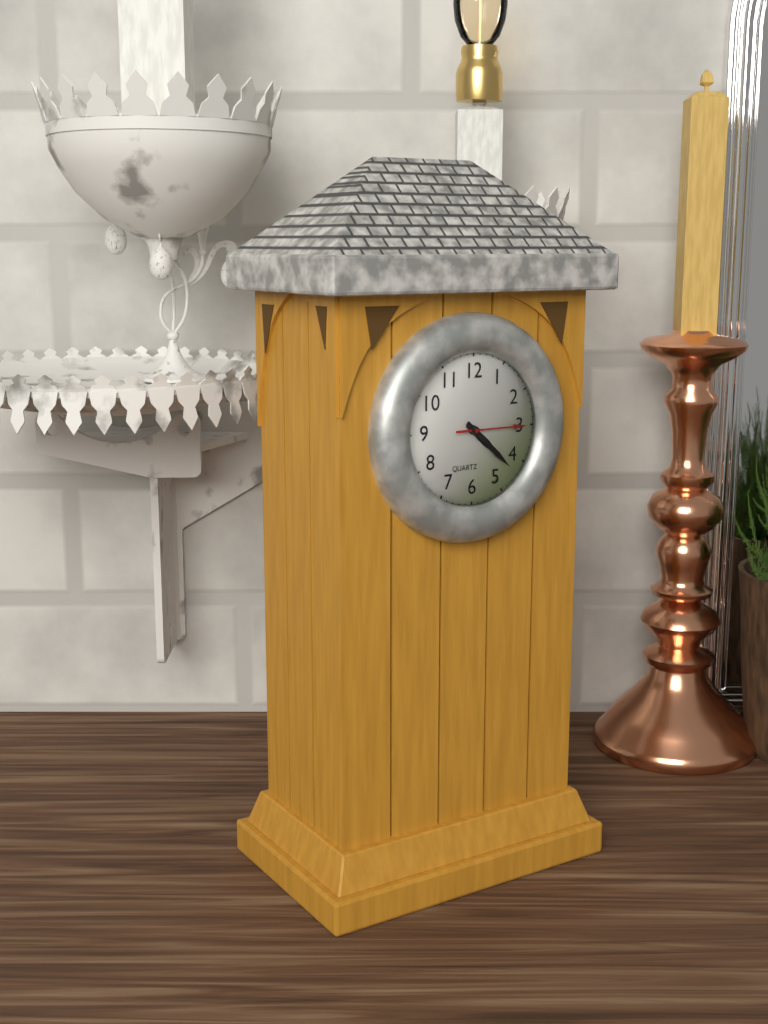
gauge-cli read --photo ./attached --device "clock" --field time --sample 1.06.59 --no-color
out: 4.22.15
